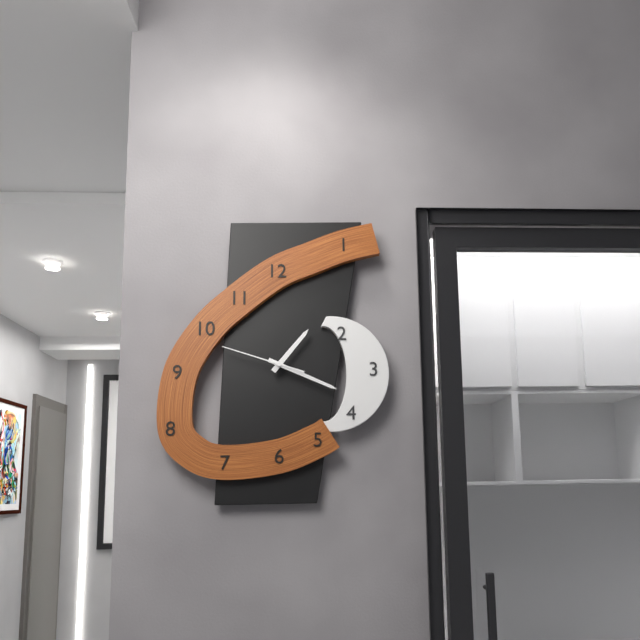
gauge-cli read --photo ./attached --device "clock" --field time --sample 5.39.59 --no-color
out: 1.19.48
